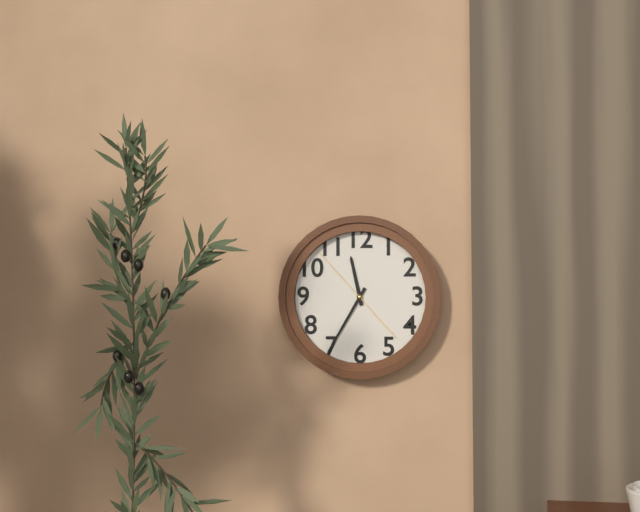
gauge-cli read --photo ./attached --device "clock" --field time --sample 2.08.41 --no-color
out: 11.35.53
